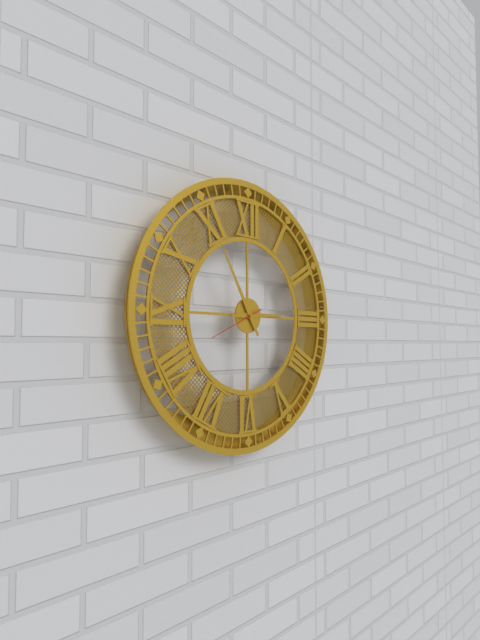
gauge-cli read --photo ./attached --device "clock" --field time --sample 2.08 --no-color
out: 2.55
